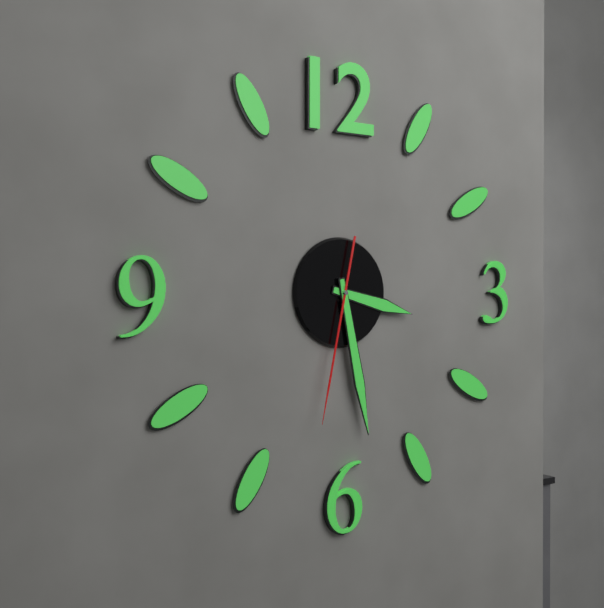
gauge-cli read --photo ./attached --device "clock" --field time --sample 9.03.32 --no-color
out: 3.28.32
